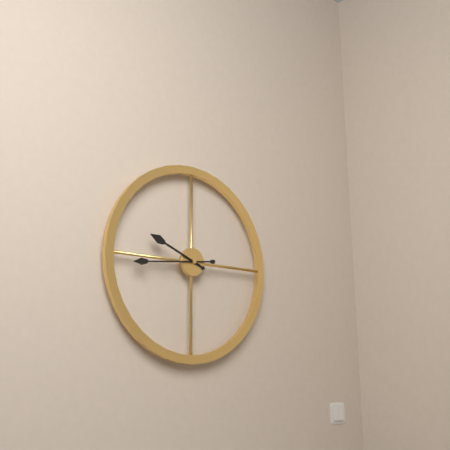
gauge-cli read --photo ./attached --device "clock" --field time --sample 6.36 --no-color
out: 9.44
